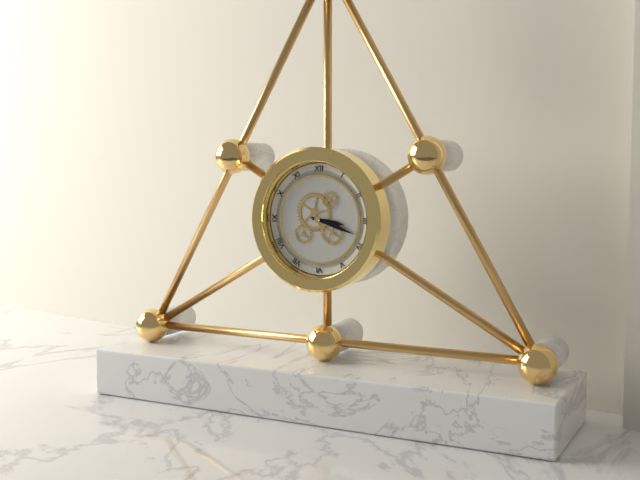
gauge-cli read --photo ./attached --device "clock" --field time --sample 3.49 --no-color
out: 3.18
